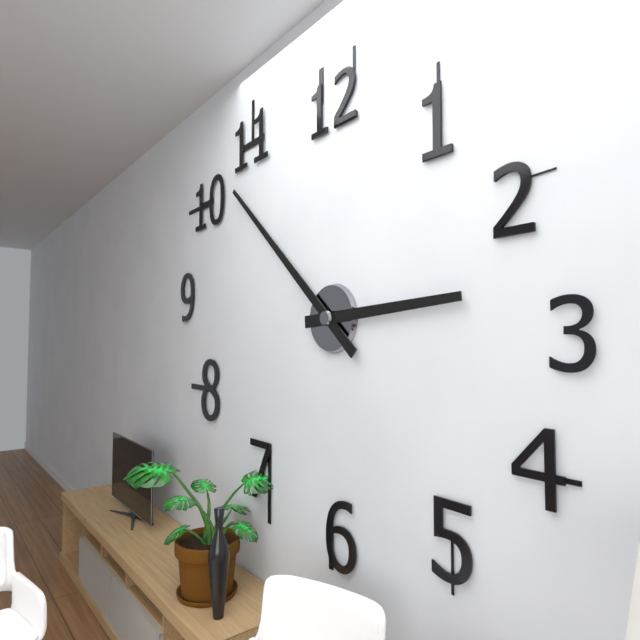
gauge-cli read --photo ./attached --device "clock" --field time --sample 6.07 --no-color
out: 2.52
